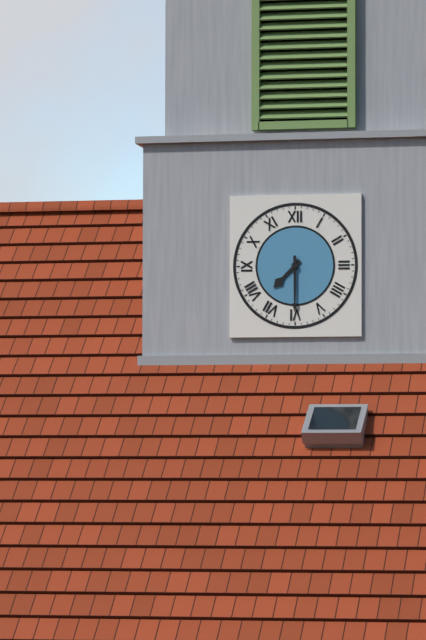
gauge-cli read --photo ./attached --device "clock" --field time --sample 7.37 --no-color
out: 7.30
